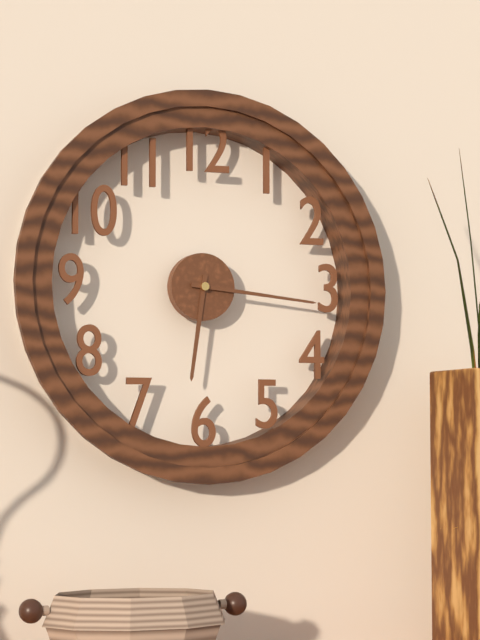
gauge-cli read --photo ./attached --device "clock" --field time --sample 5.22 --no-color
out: 6.16
